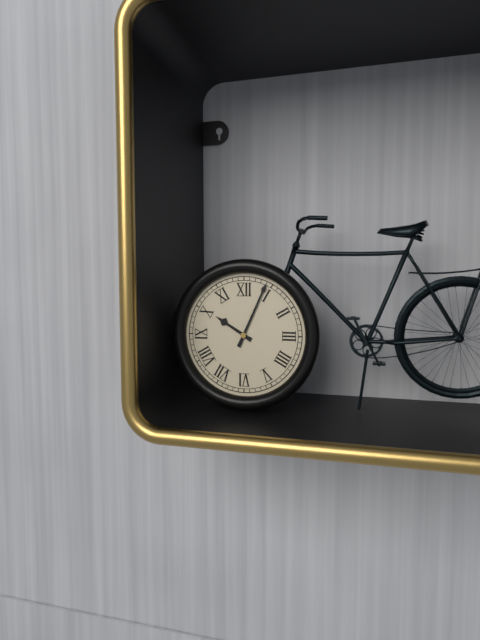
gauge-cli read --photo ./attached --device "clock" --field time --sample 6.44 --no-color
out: 10.04
